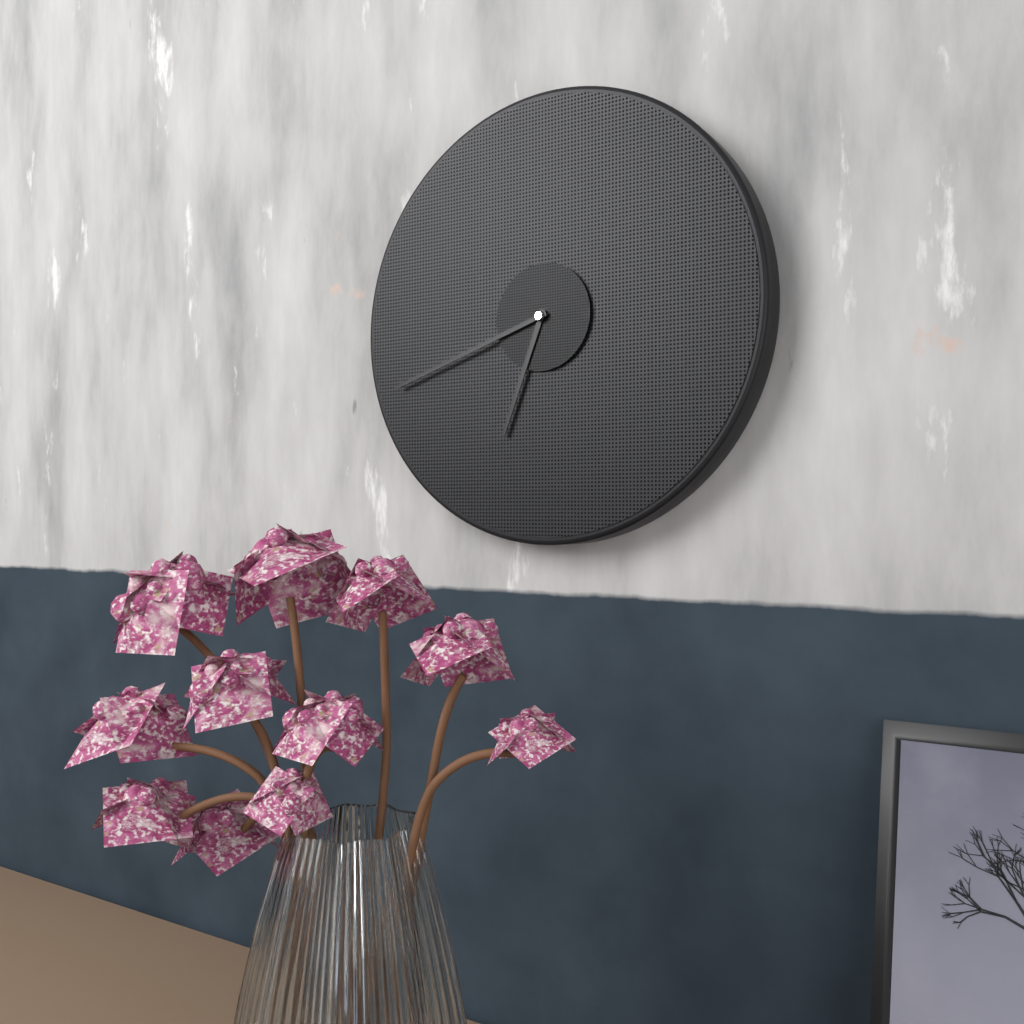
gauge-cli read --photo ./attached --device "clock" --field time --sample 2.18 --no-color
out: 6.42
